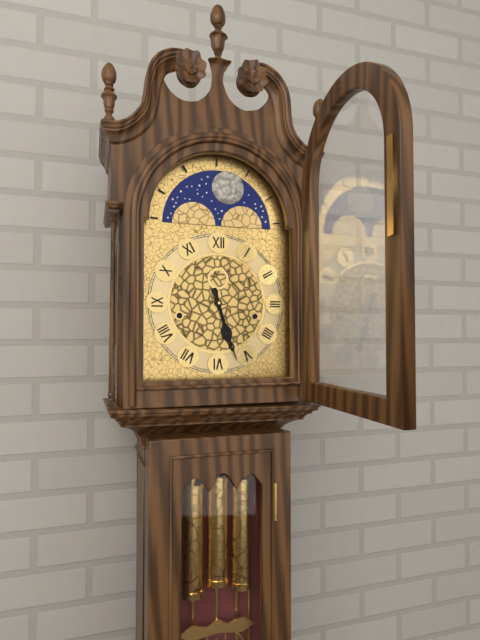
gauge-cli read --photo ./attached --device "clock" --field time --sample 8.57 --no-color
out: 5.27
